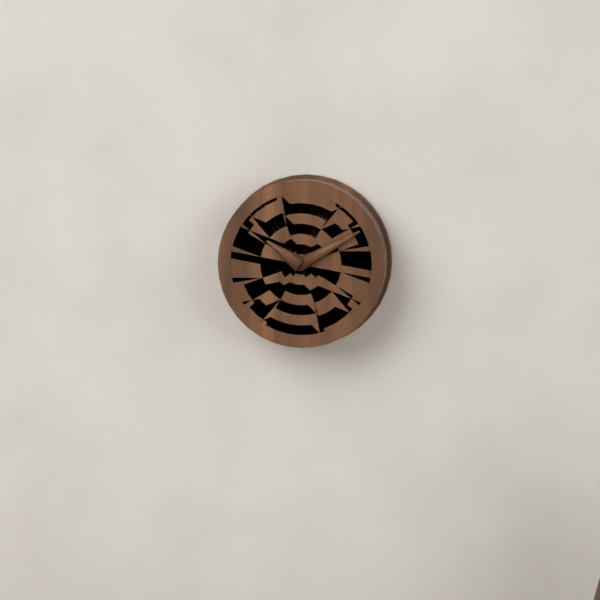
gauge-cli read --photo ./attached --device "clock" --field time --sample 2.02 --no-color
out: 10.10
